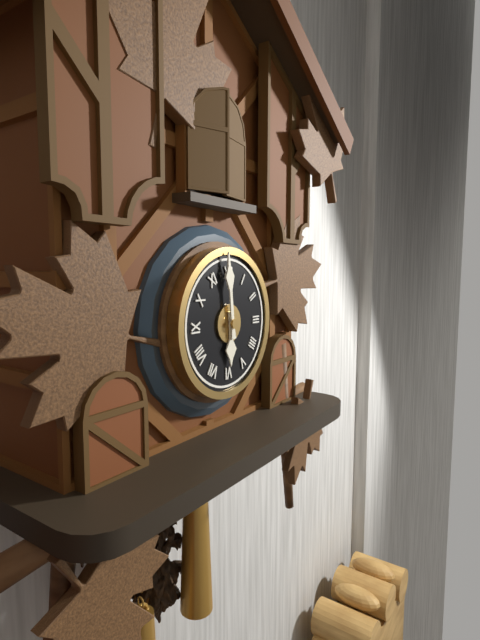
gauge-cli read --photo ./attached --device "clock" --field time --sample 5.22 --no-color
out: 5.59
